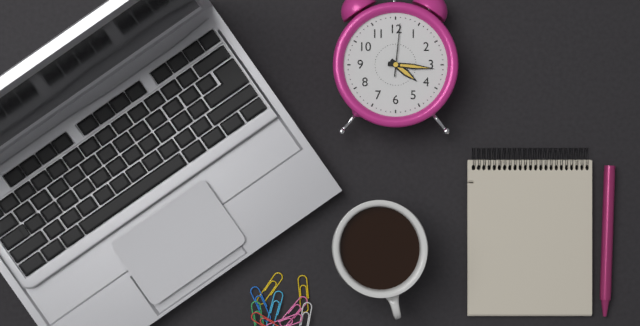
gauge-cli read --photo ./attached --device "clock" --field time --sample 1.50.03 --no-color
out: 4.16.01
